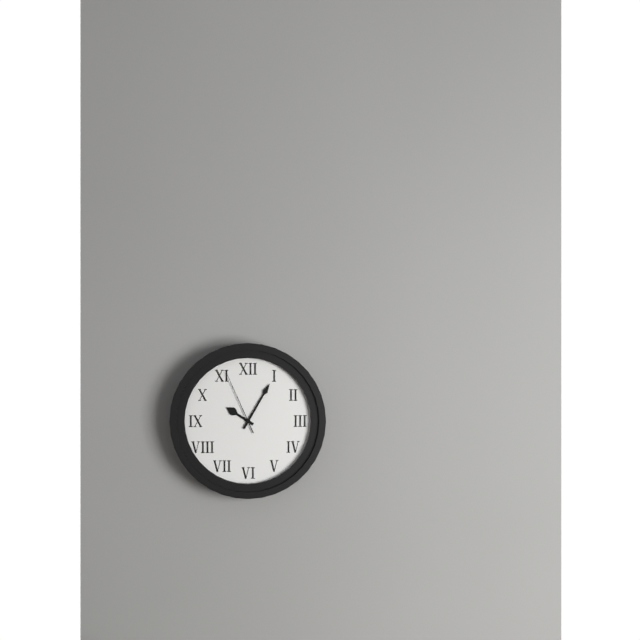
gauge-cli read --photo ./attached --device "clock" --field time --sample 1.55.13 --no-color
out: 10.05.56
